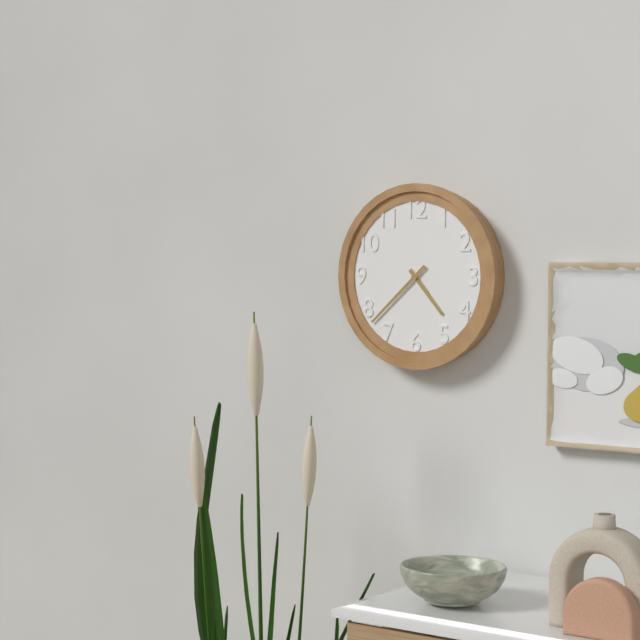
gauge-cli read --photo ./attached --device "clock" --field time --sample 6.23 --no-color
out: 4.38
